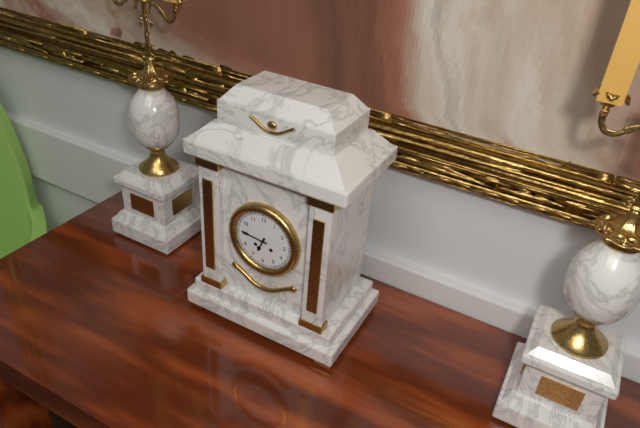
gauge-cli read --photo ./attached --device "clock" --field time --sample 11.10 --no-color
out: 6.46
